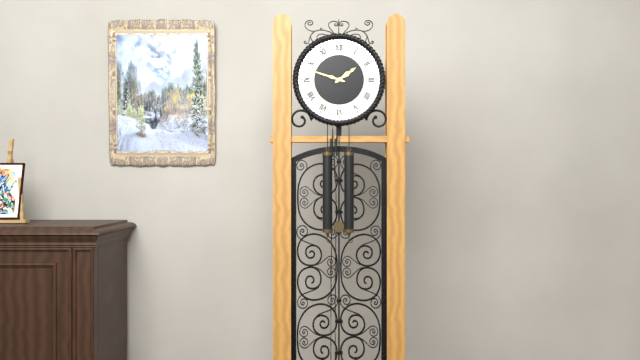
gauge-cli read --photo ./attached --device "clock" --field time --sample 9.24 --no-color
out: 1.48
